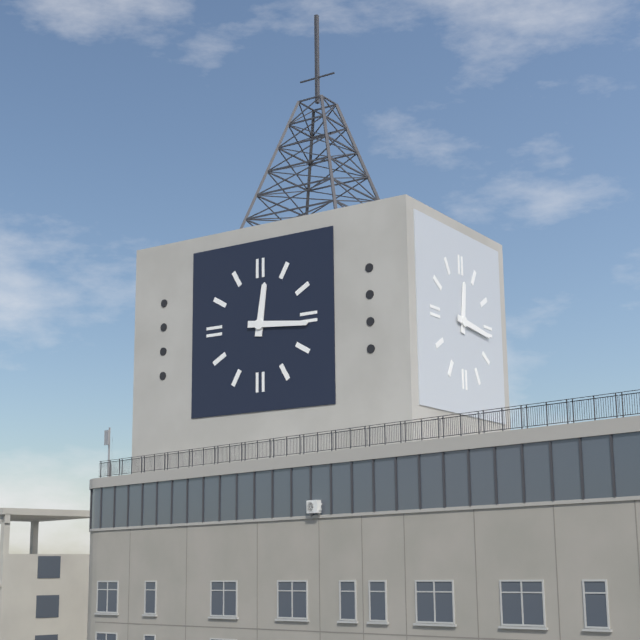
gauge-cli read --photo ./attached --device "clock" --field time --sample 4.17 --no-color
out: 12.16
